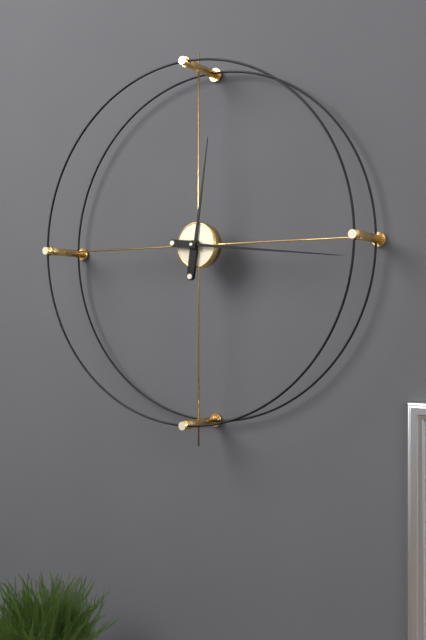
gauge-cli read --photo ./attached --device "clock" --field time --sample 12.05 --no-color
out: 12.16
